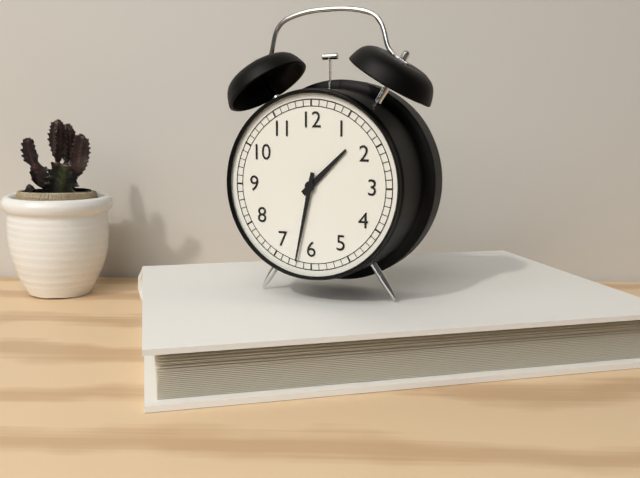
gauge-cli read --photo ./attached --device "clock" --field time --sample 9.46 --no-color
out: 1.32
